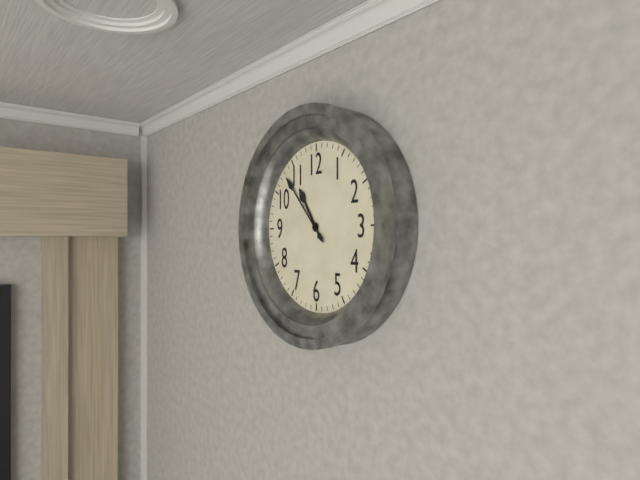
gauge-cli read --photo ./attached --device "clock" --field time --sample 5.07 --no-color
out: 10.53
